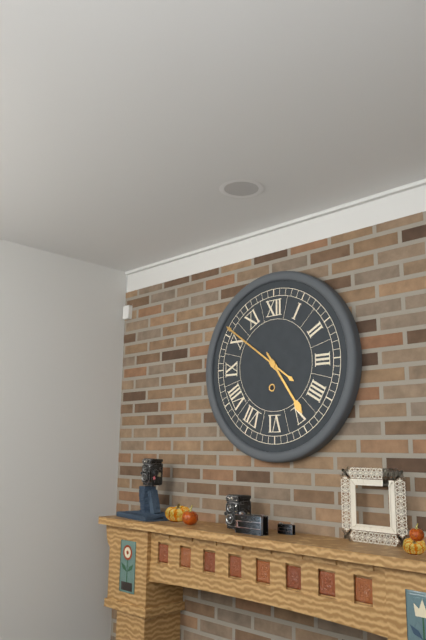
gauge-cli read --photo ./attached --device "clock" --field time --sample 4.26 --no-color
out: 4.51
